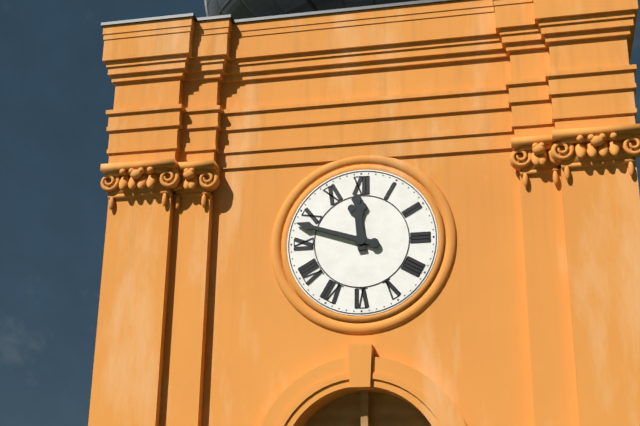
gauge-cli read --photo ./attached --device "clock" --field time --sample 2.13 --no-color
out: 11.48
